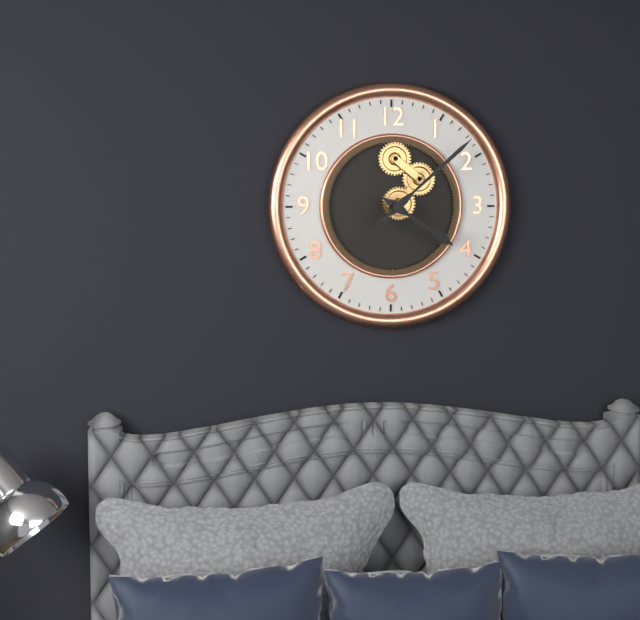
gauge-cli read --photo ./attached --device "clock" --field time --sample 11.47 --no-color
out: 4.08
